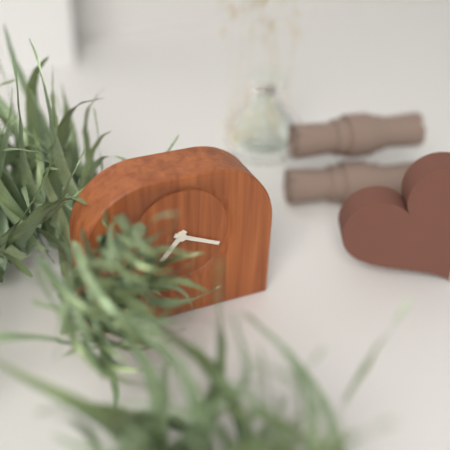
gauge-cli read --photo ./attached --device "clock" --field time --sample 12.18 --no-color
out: 7.19
